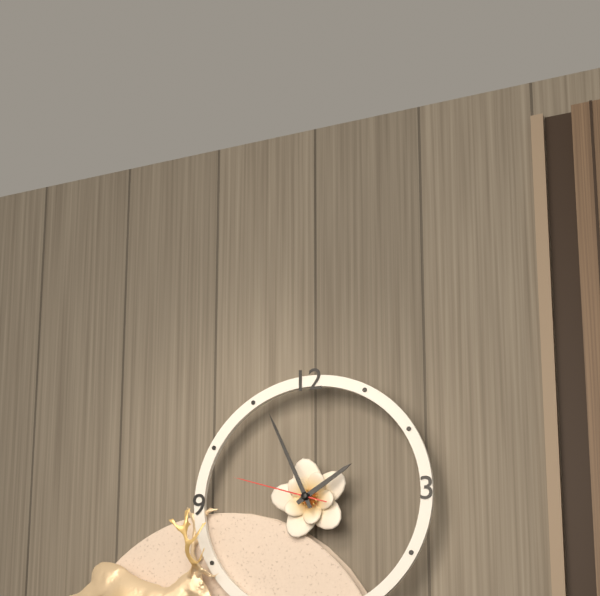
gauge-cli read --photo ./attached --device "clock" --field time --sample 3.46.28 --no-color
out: 1.56.48
